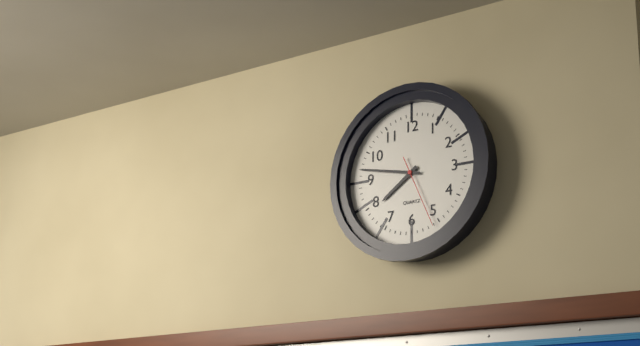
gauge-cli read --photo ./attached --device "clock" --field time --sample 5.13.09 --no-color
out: 7.47.26
